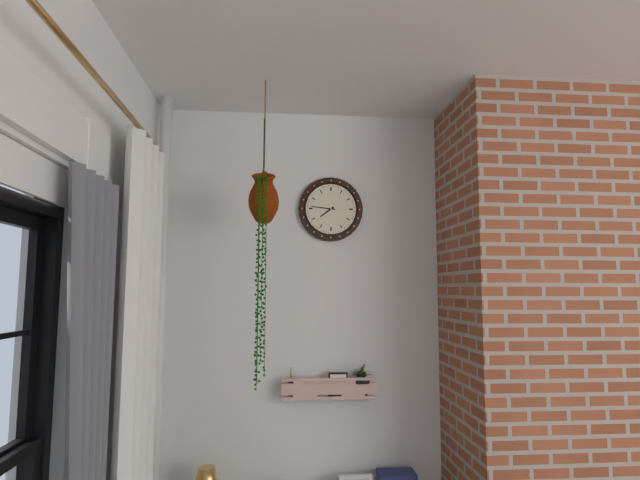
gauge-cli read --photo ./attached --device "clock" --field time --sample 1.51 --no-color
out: 7.46
